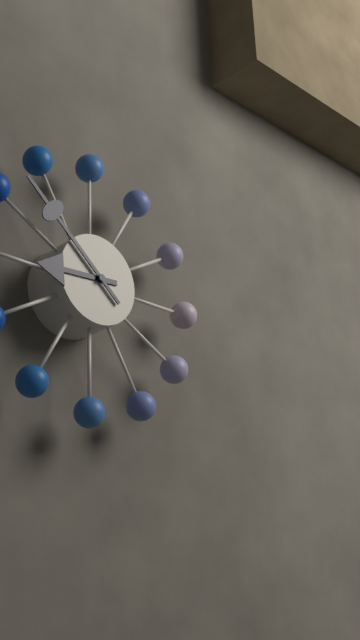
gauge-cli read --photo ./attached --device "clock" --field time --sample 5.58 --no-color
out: 8.52
